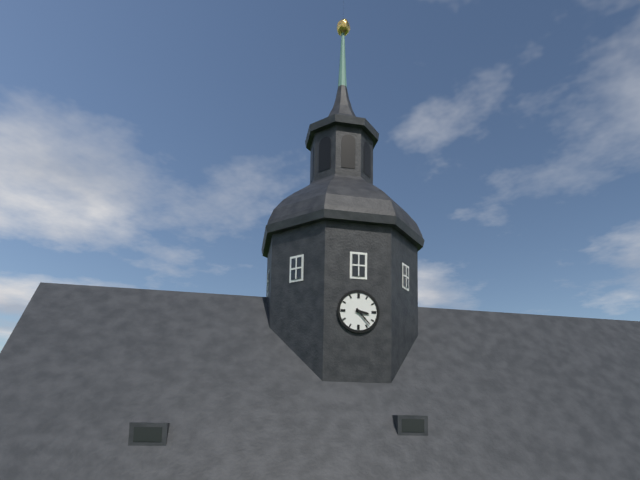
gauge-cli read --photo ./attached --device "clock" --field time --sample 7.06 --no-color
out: 3.23
